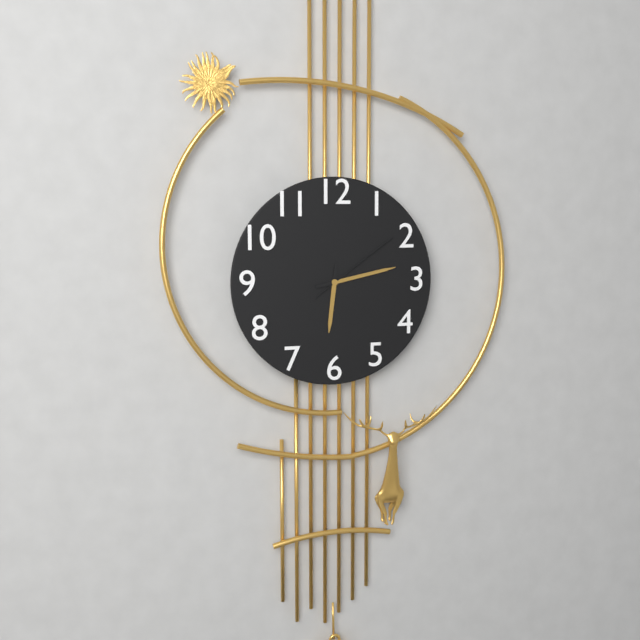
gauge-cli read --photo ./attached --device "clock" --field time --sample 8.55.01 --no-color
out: 6.13.09
